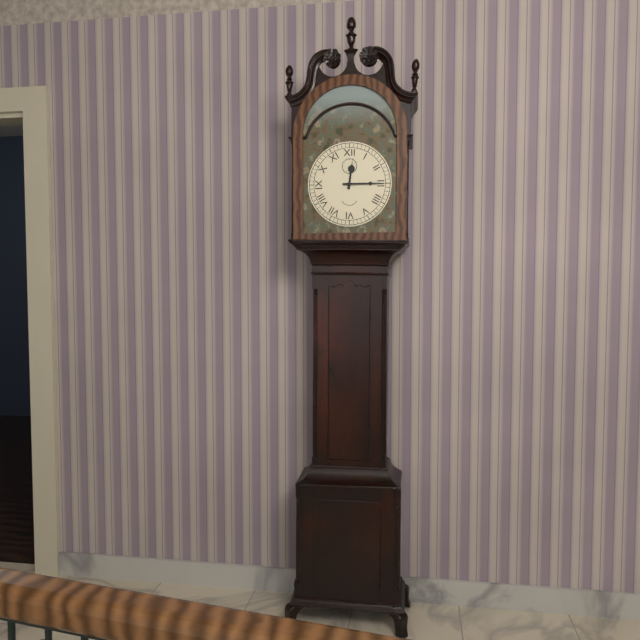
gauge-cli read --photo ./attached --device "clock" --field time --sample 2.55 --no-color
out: 12.15
